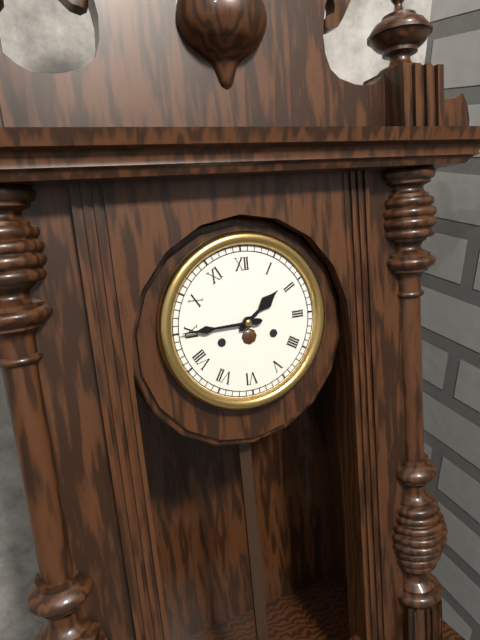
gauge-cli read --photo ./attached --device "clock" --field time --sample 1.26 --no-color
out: 1.45
